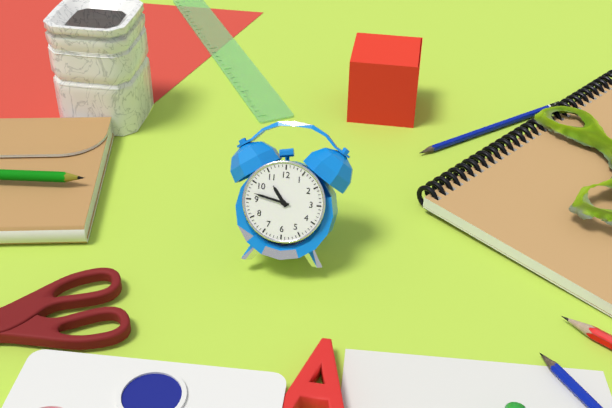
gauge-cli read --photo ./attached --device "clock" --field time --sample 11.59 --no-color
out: 10.47
